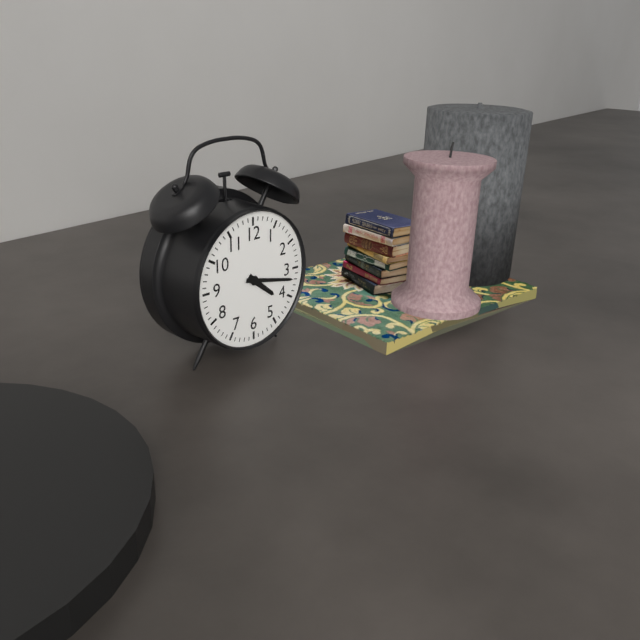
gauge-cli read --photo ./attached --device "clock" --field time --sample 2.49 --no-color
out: 4.17
